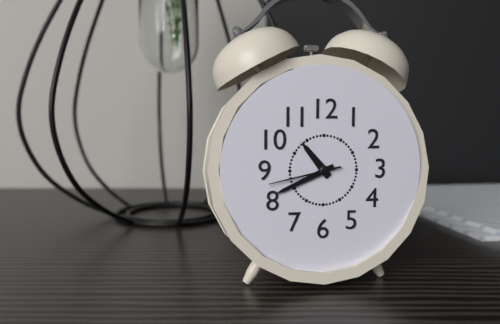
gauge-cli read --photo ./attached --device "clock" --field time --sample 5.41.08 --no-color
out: 10.41.43
